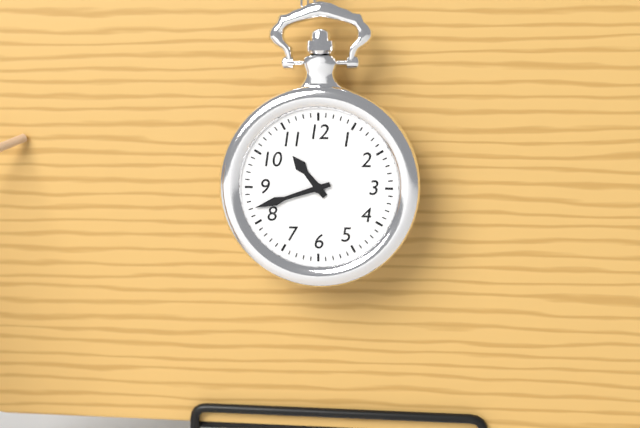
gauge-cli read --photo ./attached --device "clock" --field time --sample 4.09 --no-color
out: 10.42
